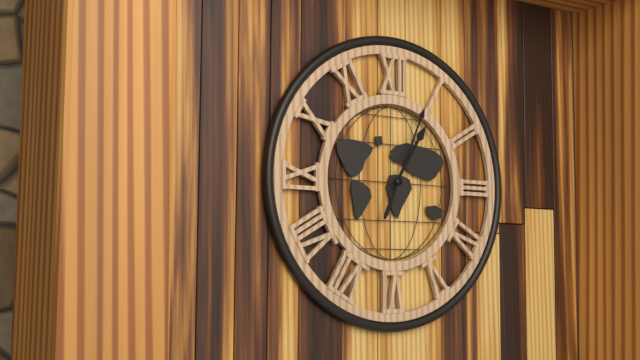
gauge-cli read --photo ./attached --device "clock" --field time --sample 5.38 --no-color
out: 1.04
